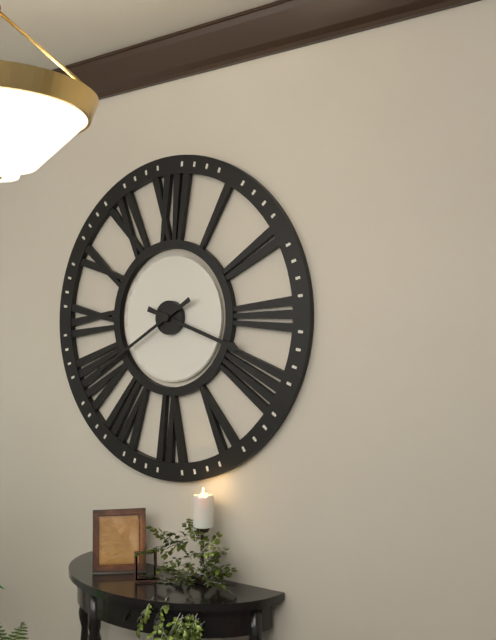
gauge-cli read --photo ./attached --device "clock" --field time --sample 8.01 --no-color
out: 3.40
